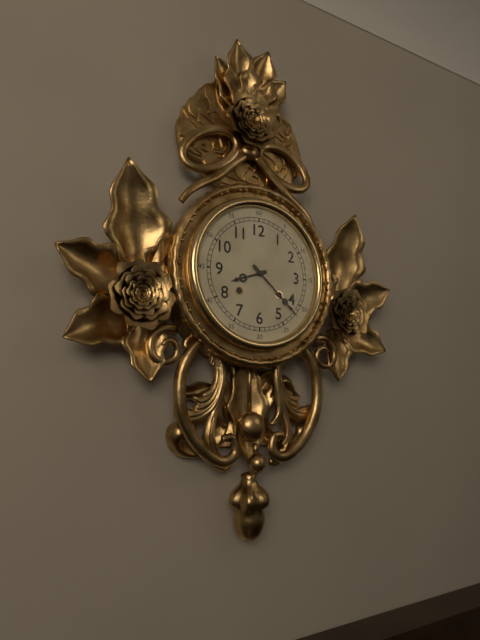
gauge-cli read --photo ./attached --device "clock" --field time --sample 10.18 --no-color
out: 8.22
